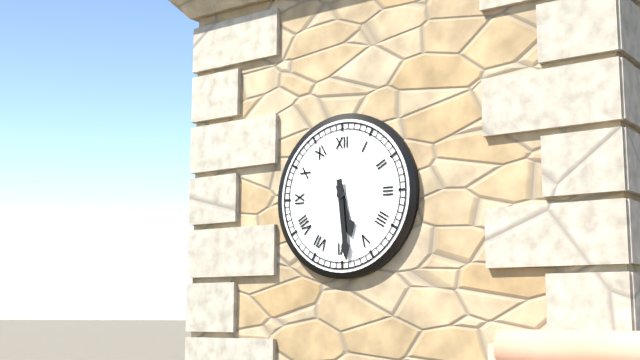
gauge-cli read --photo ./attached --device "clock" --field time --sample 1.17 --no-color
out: 5.29
